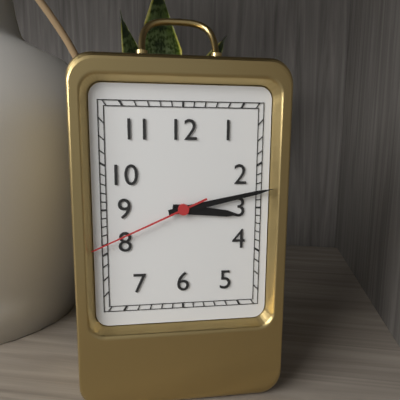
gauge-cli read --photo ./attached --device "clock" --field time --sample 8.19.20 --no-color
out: 3.13.41
